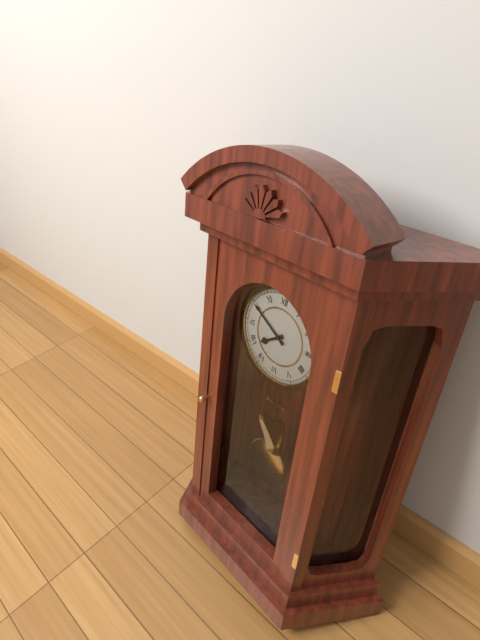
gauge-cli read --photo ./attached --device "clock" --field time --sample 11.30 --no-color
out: 7.50
